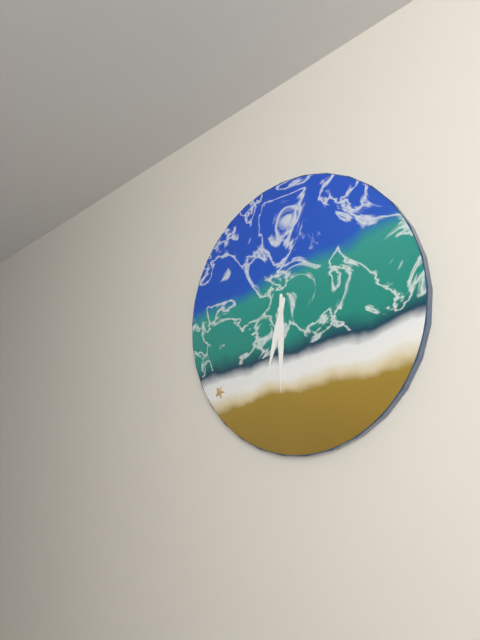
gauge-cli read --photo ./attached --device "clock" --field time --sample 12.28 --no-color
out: 6.30
